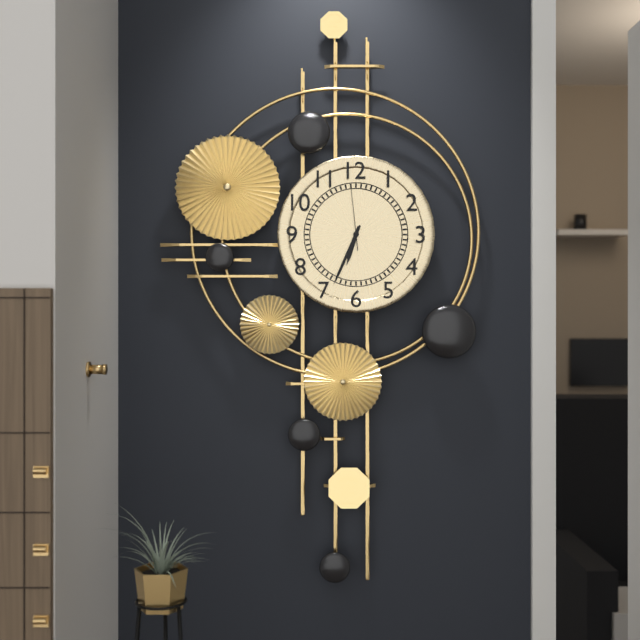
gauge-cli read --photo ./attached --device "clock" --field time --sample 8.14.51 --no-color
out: 6.34.59
